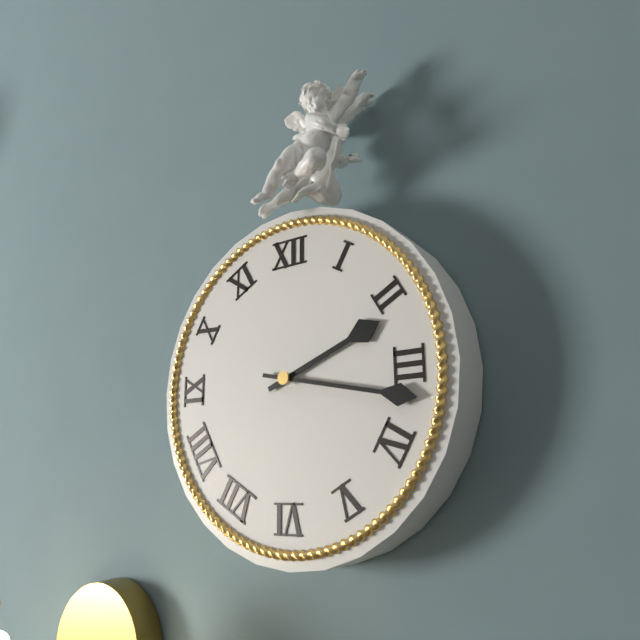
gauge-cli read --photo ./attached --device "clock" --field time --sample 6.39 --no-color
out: 2.17
